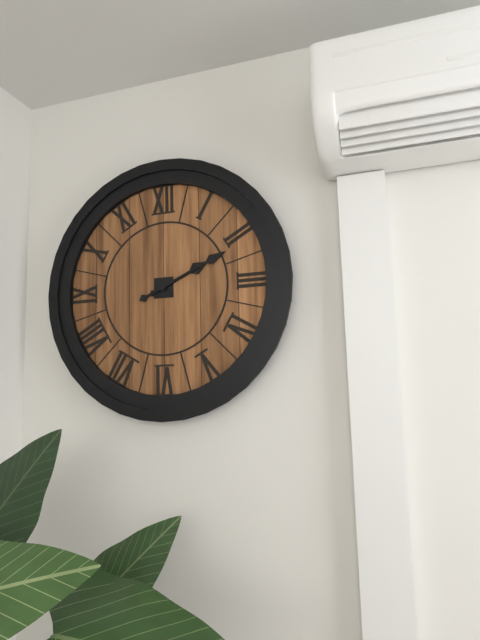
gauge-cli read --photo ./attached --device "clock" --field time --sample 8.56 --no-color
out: 2.11
